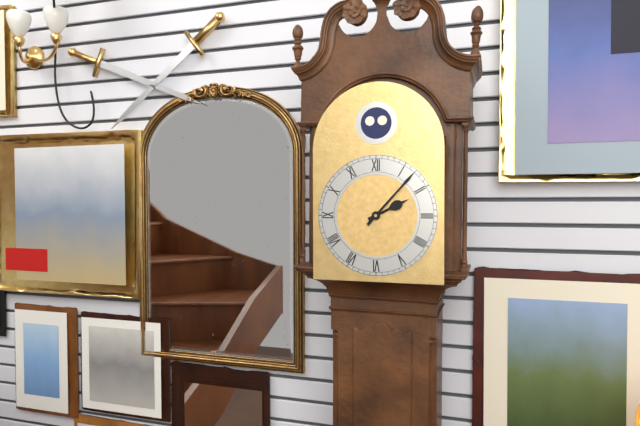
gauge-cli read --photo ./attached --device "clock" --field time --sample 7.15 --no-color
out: 2.07
